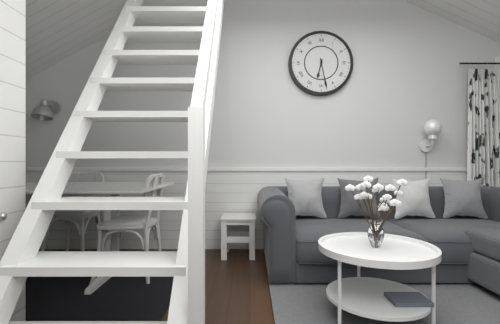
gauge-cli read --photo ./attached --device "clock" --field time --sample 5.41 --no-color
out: 6.28
